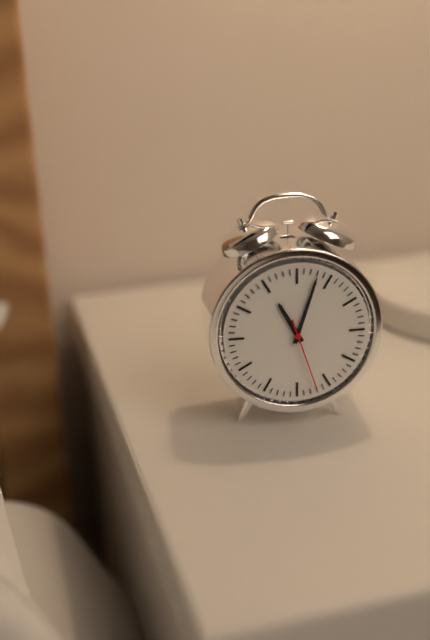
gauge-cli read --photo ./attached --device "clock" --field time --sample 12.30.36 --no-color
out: 11.03.27
